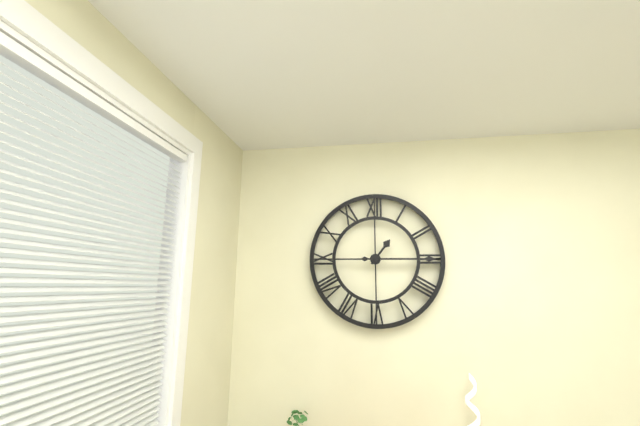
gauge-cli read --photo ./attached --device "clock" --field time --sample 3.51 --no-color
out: 1.15
